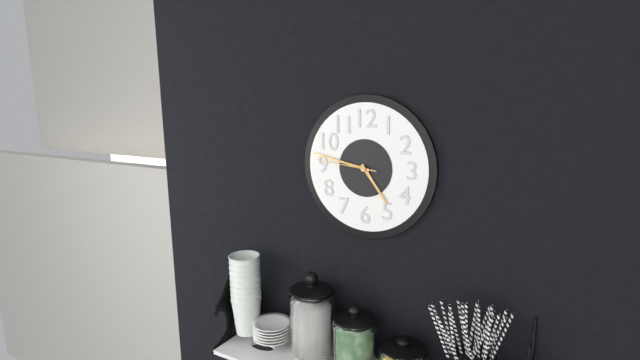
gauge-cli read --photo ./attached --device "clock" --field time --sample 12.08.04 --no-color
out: 4.47.46
